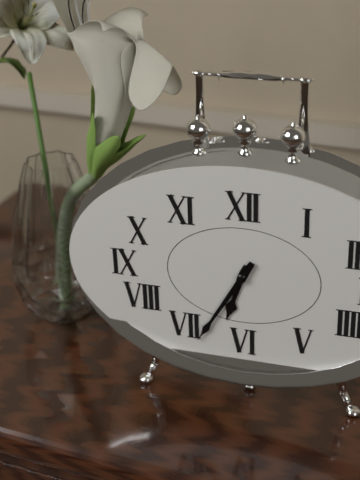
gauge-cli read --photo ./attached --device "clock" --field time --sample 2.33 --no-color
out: 6.35
